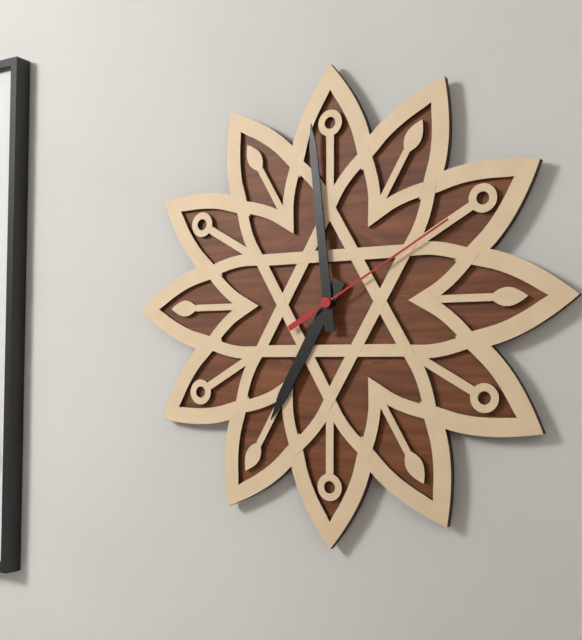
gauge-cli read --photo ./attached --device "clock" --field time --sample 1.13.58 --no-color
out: 6.59.10
